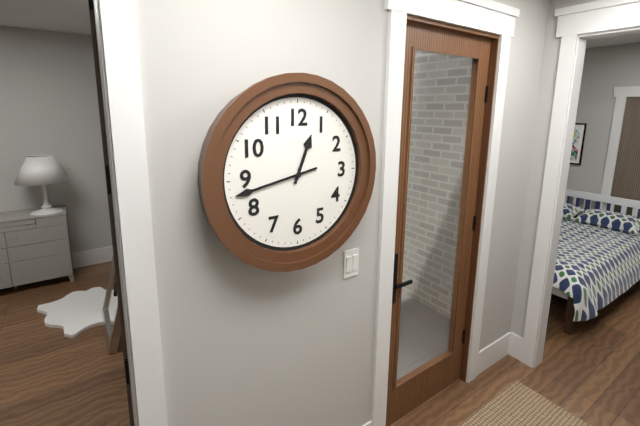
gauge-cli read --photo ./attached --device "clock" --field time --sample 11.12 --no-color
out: 12.43
